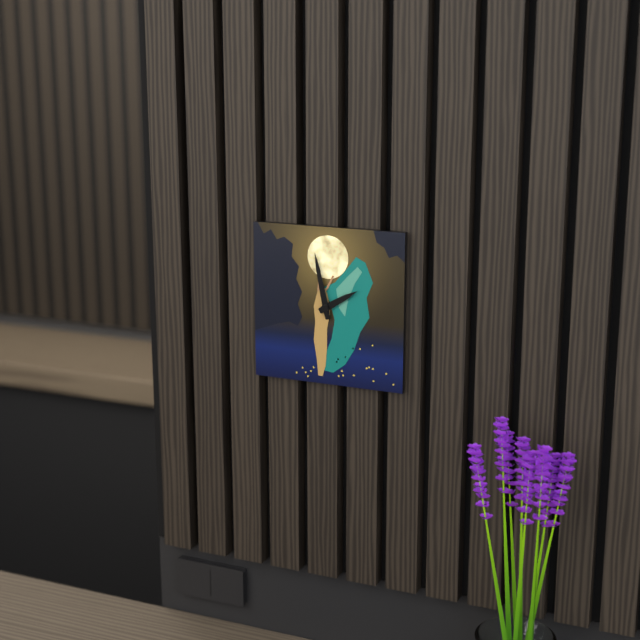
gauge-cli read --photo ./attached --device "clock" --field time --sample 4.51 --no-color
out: 1.58
